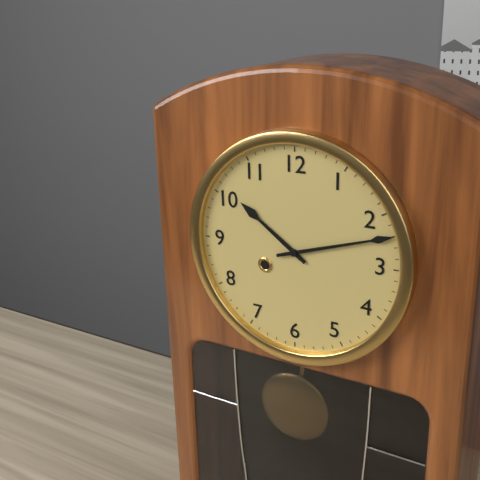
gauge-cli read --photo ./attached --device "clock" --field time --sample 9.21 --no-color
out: 10.12
